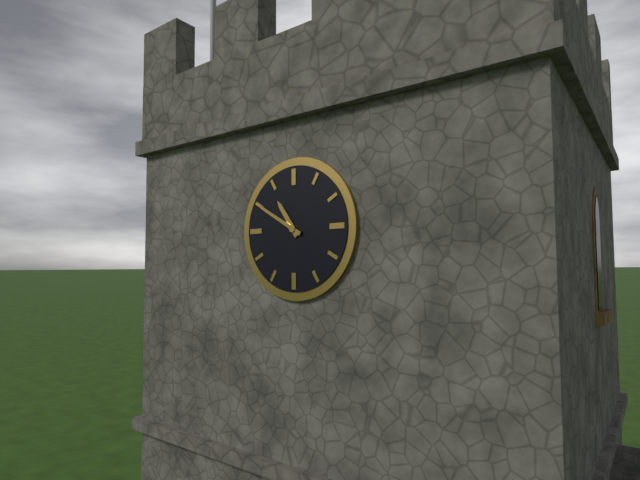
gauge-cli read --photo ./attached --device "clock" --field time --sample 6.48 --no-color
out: 10.50
